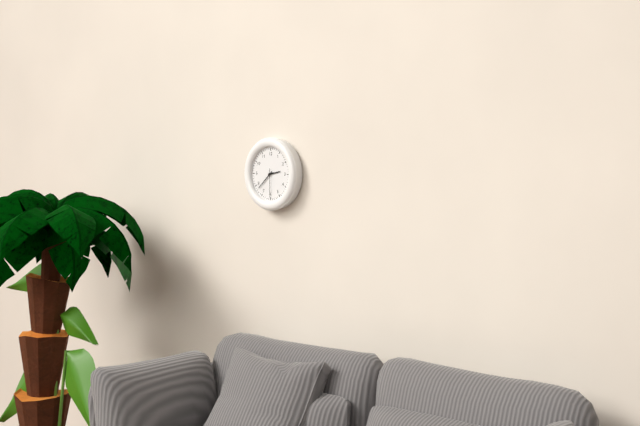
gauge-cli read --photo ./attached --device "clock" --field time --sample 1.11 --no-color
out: 2.38
